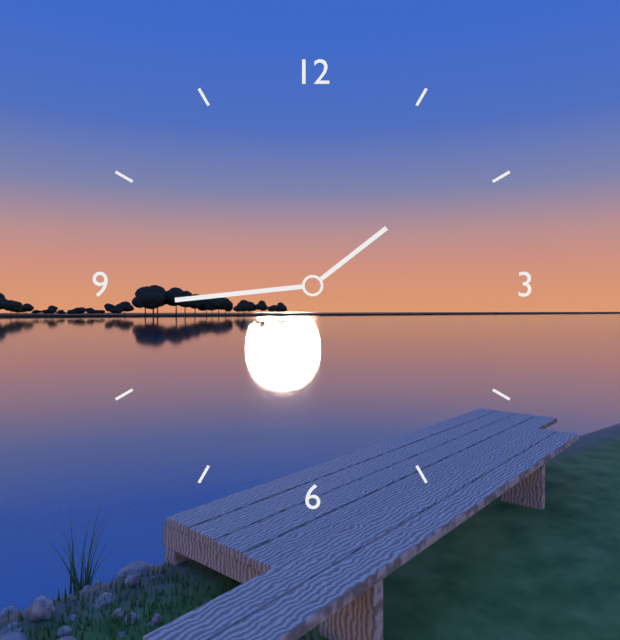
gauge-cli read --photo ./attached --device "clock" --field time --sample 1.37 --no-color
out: 1.44
